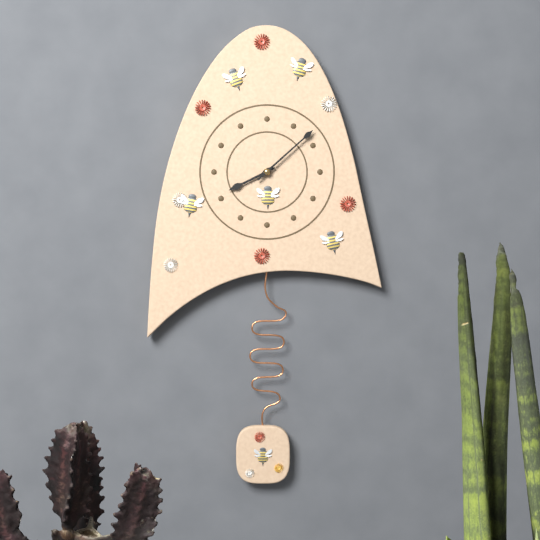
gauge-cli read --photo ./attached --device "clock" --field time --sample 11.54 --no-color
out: 8.08
